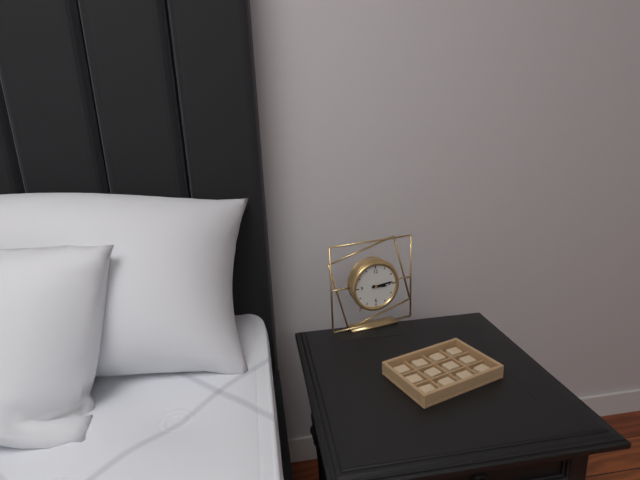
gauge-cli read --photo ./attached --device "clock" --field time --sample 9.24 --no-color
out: 3.14
